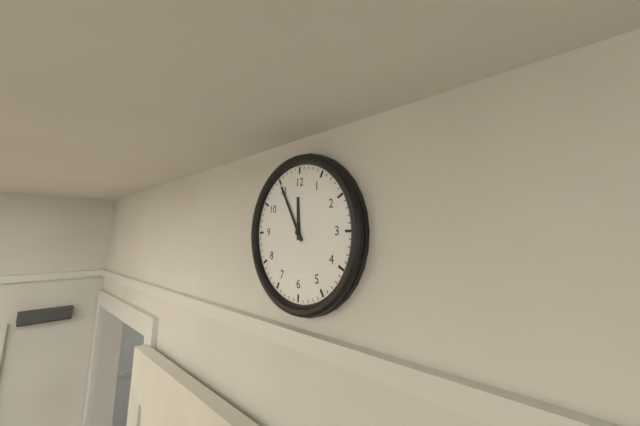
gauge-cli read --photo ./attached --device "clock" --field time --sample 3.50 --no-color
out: 11.55
